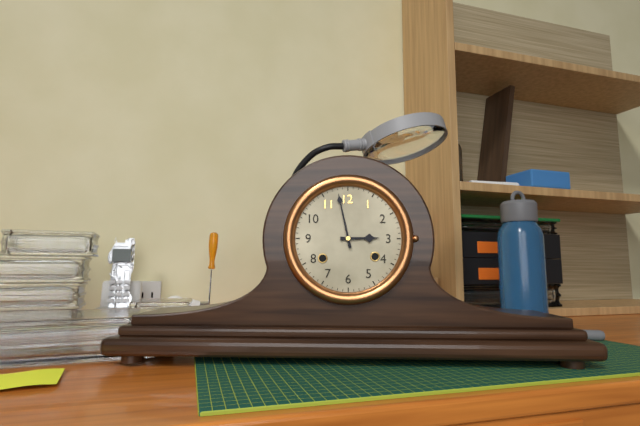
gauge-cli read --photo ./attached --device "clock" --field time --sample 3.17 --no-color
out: 2.58
